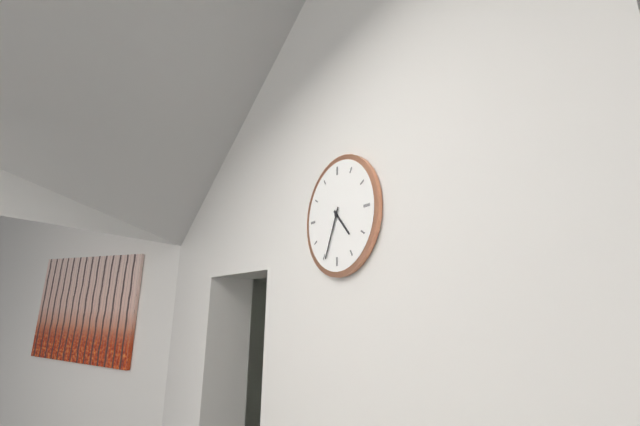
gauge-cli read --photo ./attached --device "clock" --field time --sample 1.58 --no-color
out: 4.34
